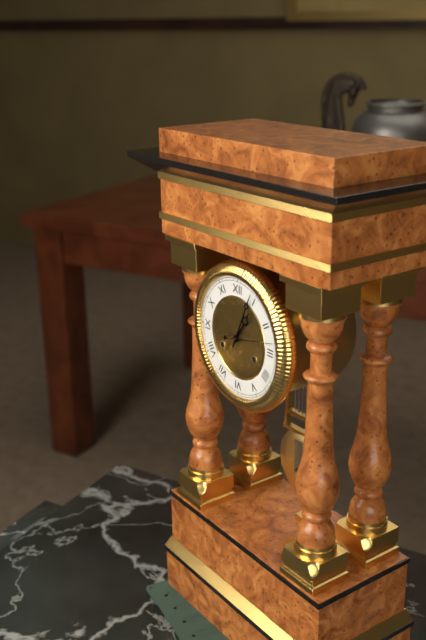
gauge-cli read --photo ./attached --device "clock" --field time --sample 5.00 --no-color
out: 1.04
